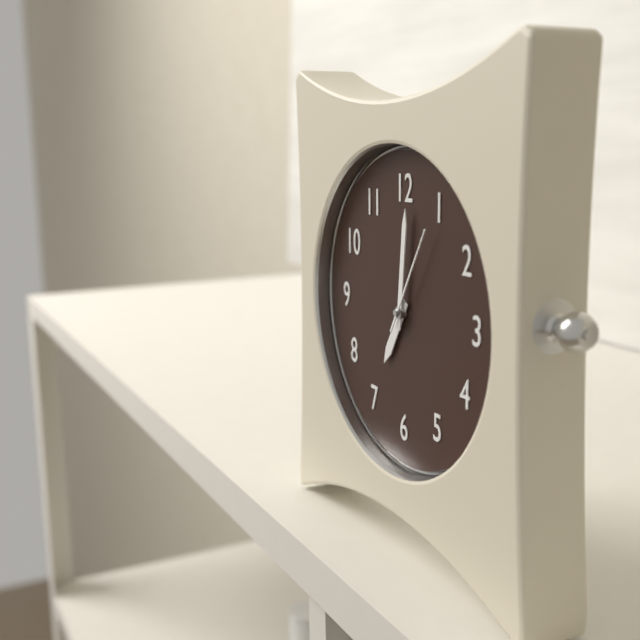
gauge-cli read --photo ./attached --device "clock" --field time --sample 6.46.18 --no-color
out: 7.01.05
